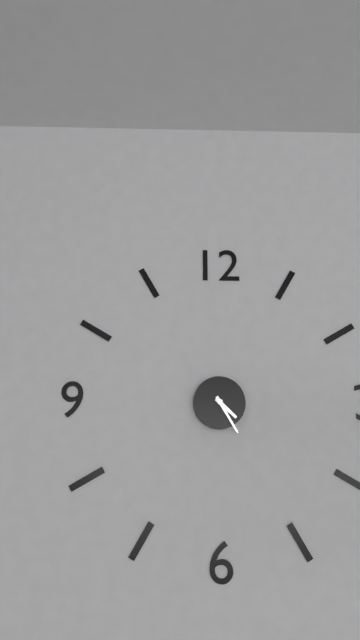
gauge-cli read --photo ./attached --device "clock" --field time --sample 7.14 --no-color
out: 4.25
